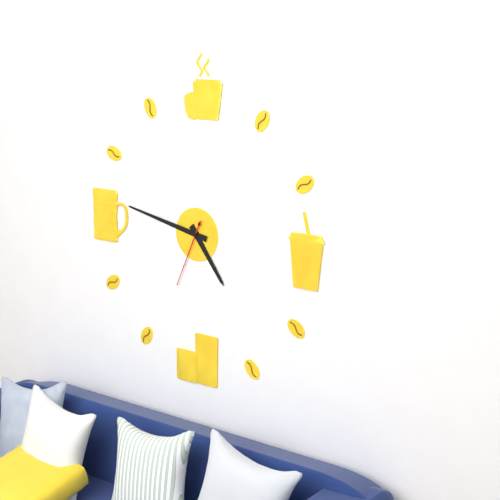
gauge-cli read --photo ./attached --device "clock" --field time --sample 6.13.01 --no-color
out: 4.47.34
